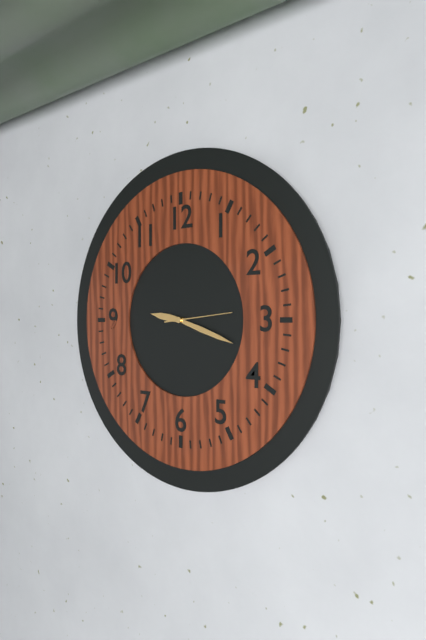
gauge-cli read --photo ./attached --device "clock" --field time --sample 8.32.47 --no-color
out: 9.18.14
